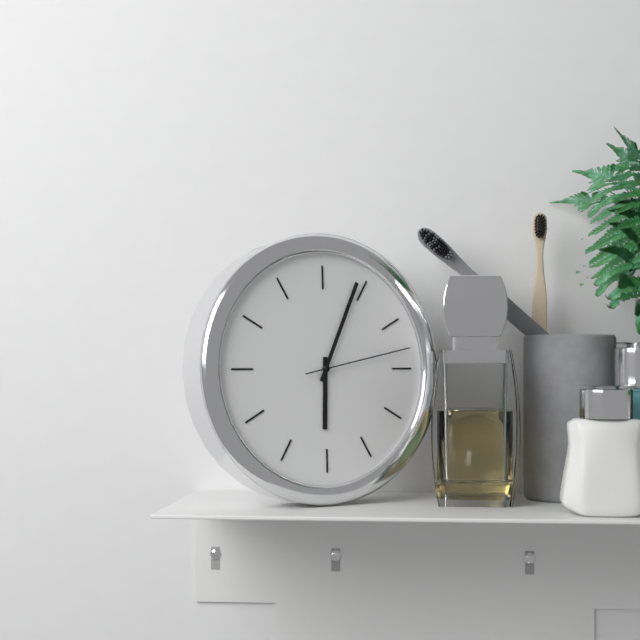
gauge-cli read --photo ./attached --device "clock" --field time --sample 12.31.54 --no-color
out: 6.04.13
